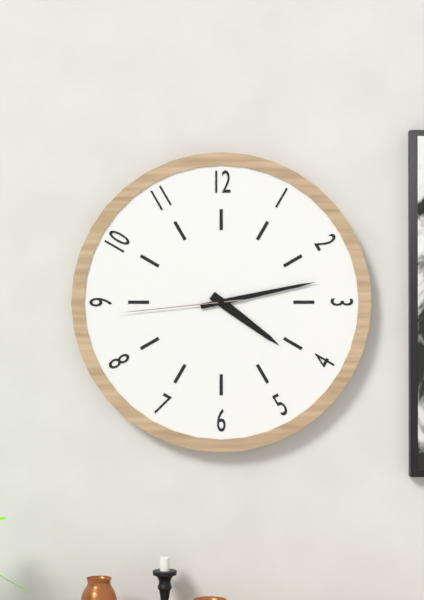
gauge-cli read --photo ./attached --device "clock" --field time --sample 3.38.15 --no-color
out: 4.13.44
